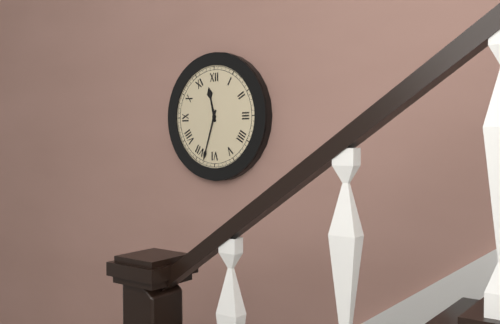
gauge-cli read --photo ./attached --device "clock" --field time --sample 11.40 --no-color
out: 11.33
